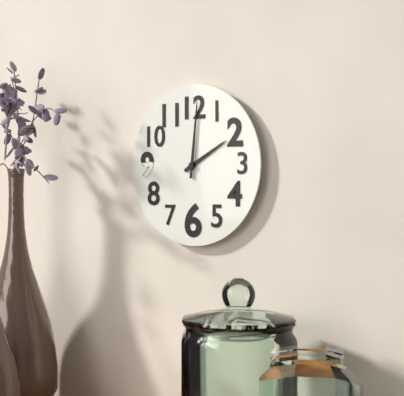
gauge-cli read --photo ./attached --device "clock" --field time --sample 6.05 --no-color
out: 2.01
